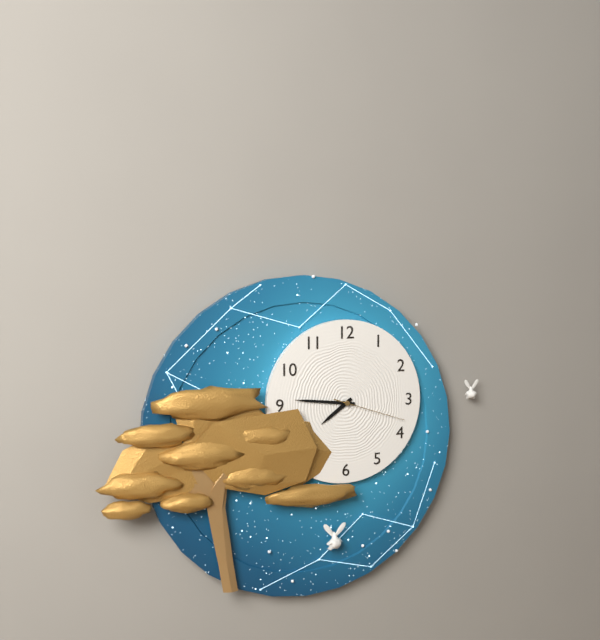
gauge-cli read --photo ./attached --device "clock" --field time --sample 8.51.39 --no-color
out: 7.46.18
